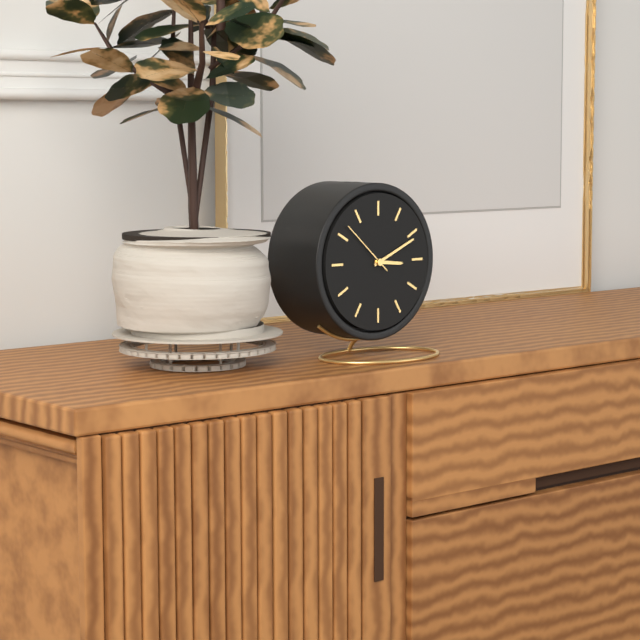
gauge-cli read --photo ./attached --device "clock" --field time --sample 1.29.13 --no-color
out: 3.11.52
